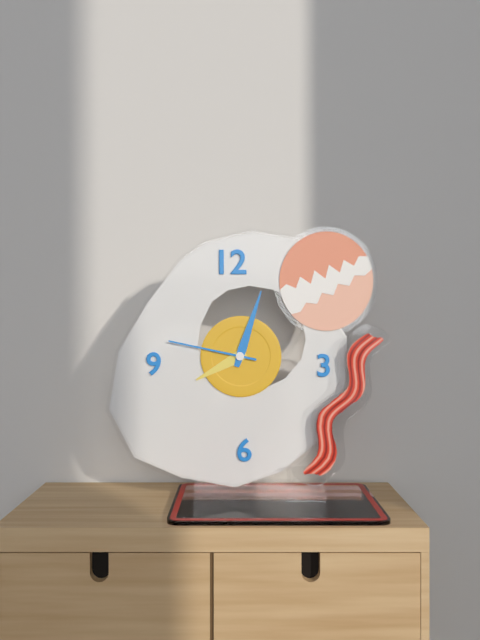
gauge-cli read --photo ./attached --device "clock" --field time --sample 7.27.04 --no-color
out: 8.03.47
